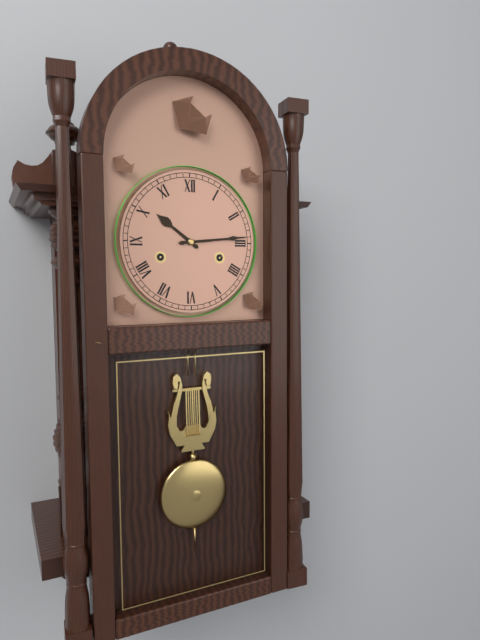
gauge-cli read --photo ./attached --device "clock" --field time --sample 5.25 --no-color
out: 10.14
